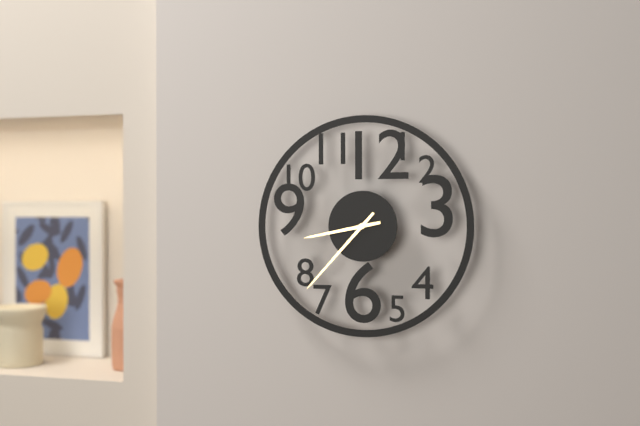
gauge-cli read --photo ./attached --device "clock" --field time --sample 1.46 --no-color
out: 8.37
